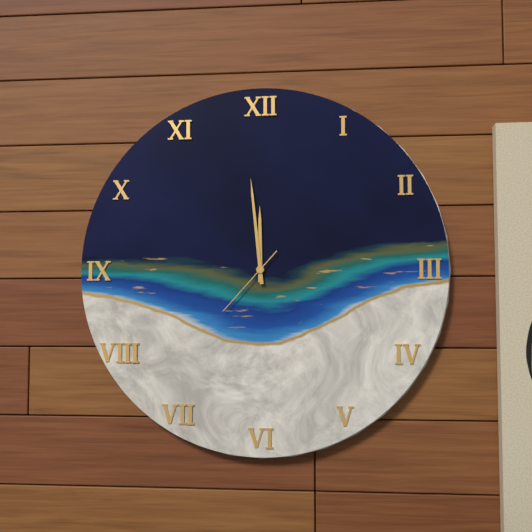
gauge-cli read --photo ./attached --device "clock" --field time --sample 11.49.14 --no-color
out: 11.59.37
